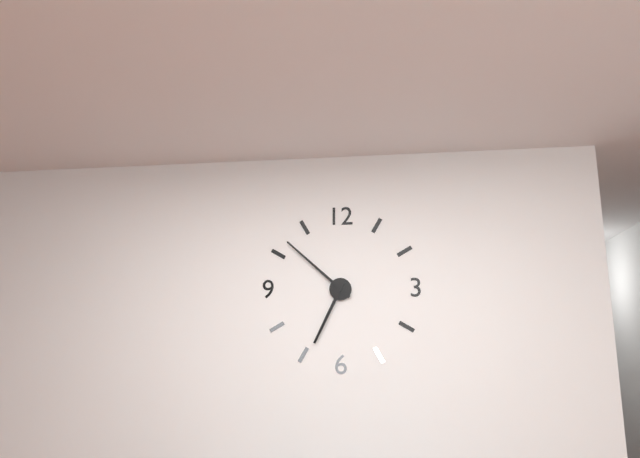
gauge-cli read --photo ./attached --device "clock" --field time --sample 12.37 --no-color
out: 6.52
